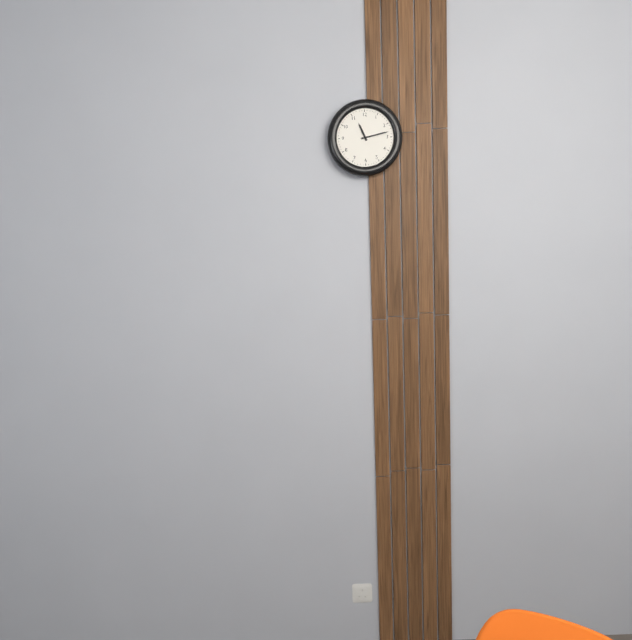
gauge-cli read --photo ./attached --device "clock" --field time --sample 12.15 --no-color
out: 11.13
